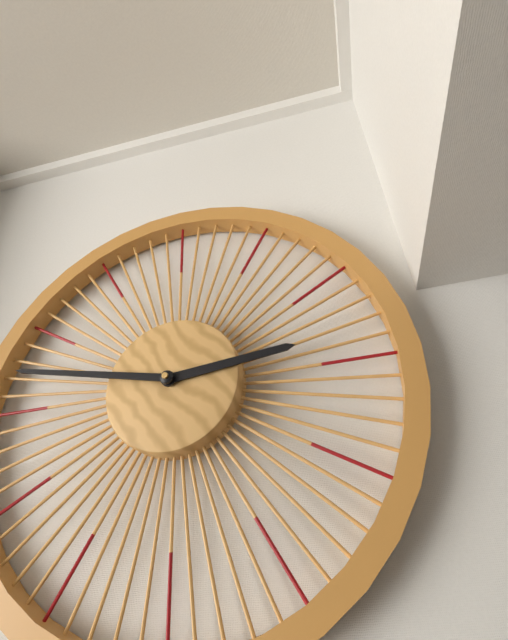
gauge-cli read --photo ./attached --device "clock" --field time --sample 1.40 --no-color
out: 2.47
